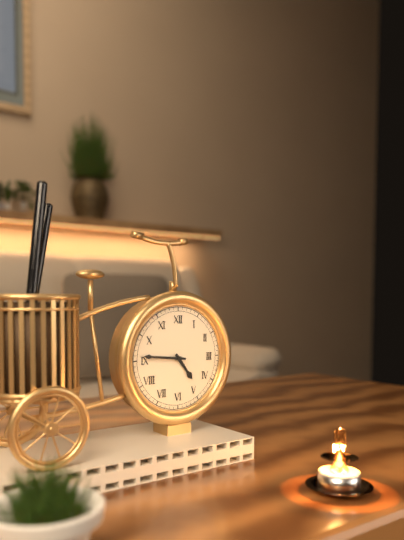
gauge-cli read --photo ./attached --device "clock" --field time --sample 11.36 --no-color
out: 4.46
